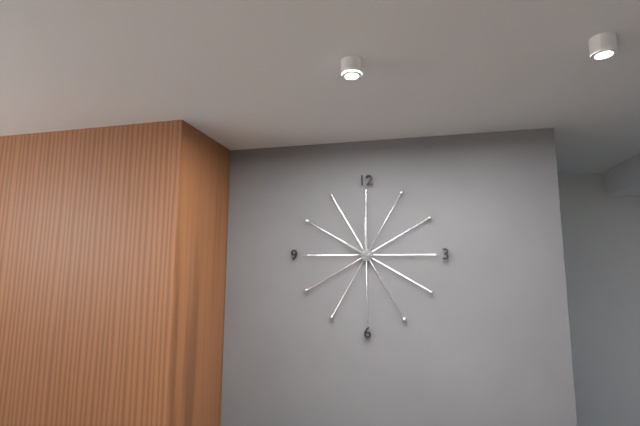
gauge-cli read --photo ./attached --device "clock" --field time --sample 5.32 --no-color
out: 10.00
